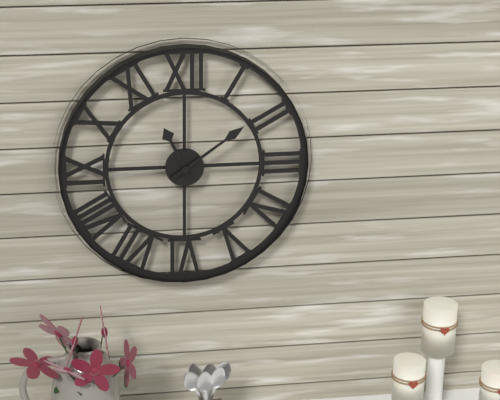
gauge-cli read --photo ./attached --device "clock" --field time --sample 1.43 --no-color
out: 11.09
